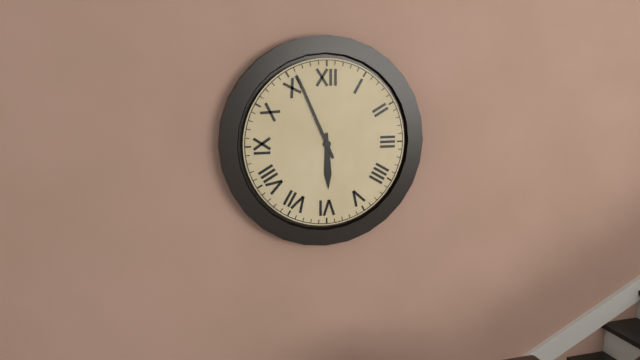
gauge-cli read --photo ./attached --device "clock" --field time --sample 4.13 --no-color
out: 5.56
